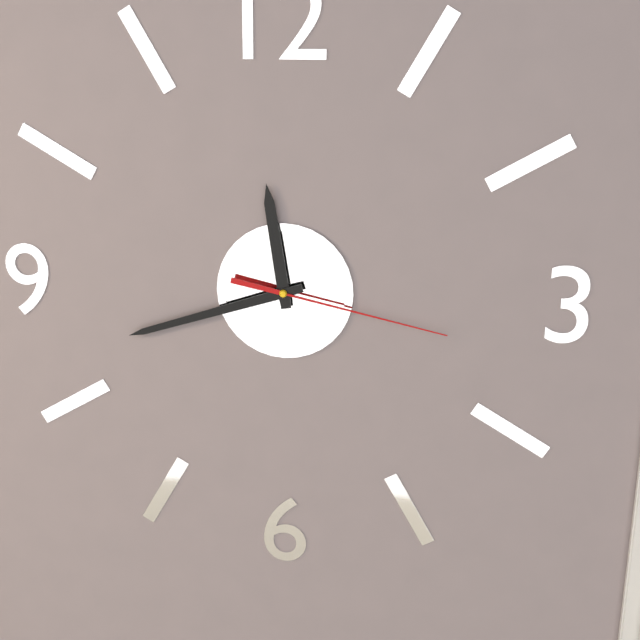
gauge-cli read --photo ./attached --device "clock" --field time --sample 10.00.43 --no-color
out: 11.42.17
